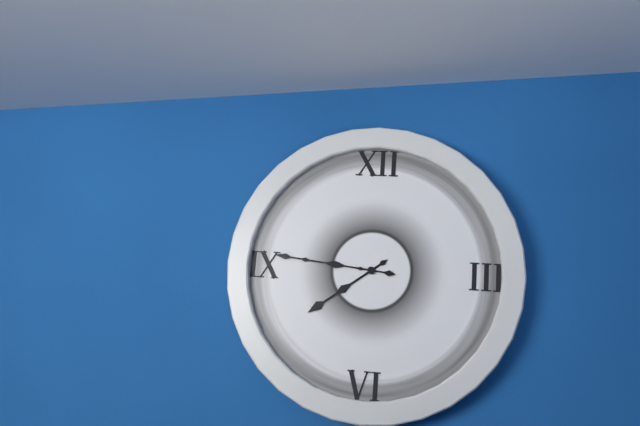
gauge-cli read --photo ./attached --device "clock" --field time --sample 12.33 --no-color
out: 7.46
